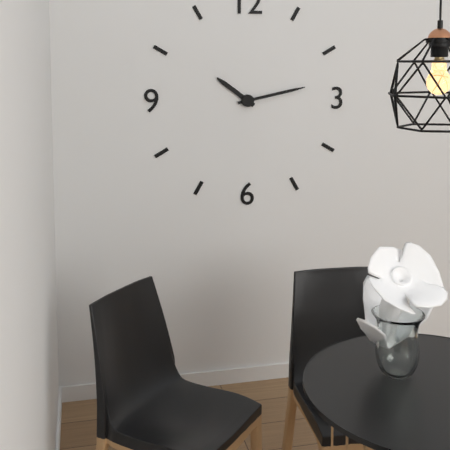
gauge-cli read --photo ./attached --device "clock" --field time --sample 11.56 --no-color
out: 10.13
